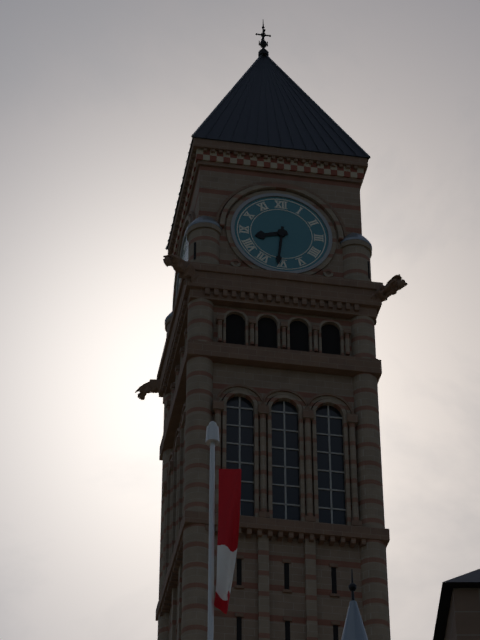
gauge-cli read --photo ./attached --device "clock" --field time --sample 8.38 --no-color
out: 8.31
